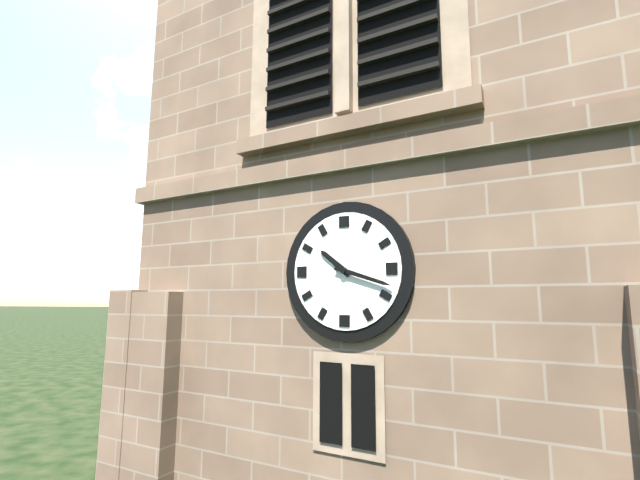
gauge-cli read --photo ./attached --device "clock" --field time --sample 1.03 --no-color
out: 10.18
